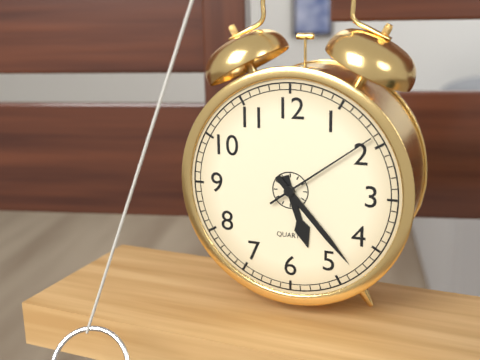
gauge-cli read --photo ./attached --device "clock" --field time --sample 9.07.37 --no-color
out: 5.23.09
